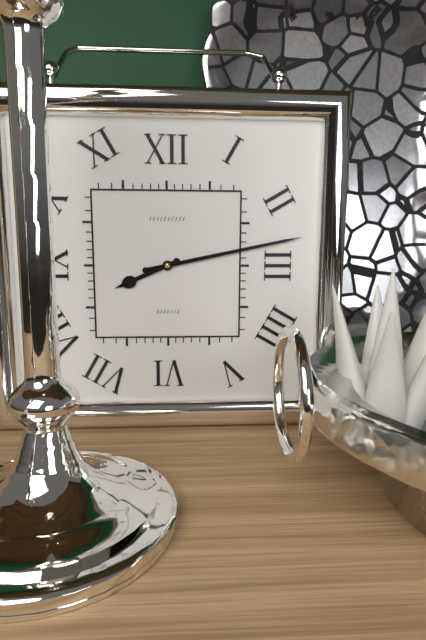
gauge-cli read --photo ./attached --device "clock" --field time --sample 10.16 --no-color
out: 8.13
